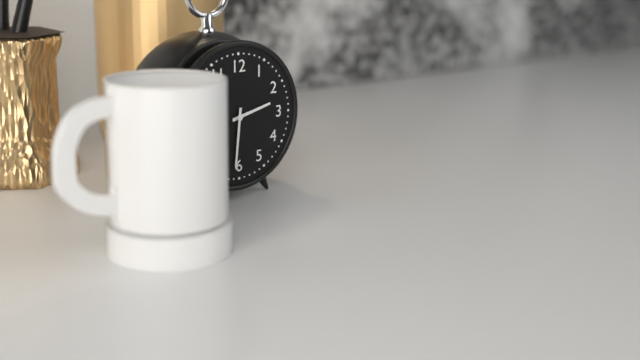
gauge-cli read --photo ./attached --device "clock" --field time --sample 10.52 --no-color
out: 2.31
